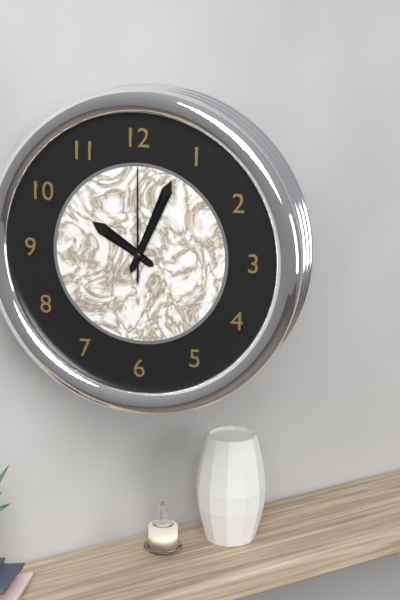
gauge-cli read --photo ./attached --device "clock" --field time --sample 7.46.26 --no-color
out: 10.04.00
